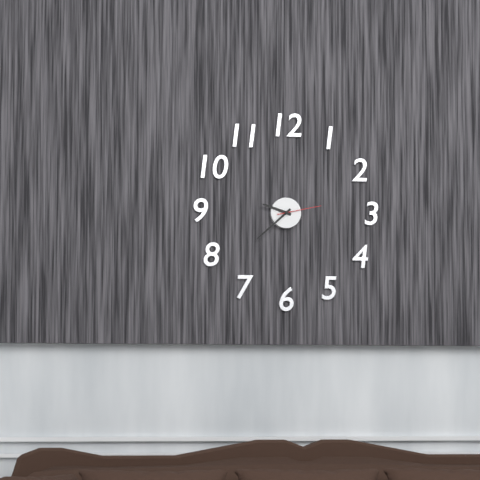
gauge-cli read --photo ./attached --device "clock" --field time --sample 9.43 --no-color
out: 9.38
